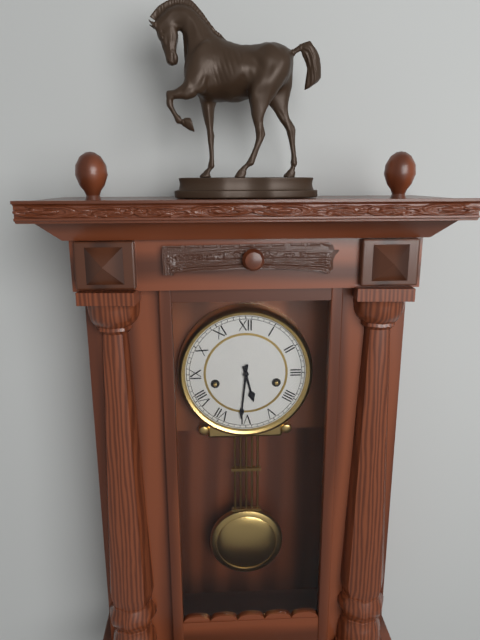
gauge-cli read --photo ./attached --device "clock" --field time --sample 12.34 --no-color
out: 5.31
